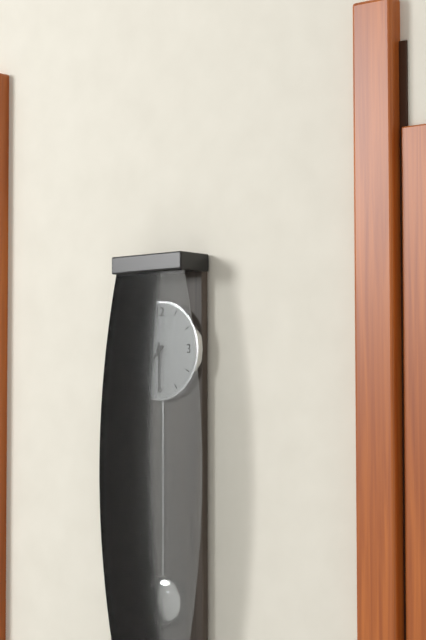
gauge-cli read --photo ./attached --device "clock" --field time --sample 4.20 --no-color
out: 7.30
